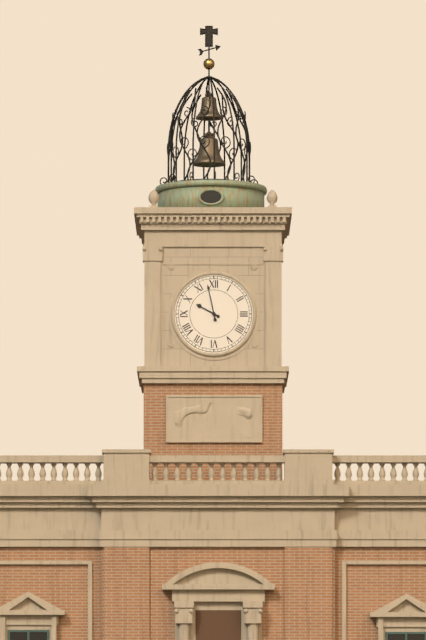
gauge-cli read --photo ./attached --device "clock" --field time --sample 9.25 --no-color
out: 9.58
